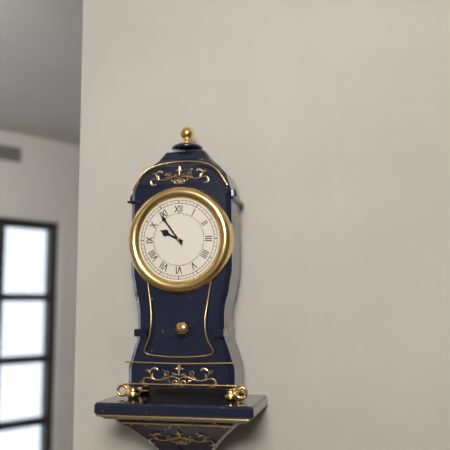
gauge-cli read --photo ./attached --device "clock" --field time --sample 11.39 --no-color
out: 9.54
